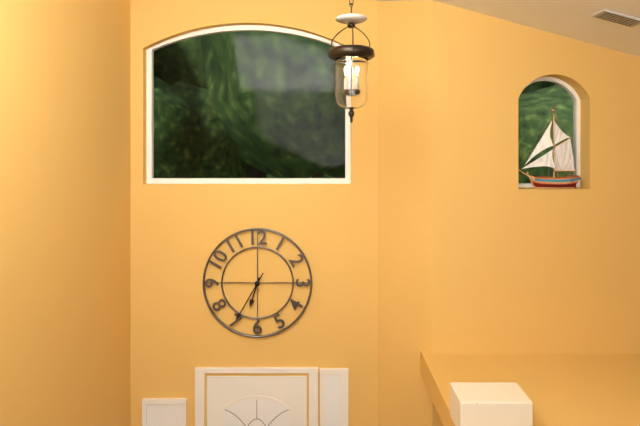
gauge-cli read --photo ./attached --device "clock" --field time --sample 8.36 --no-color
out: 6.35
